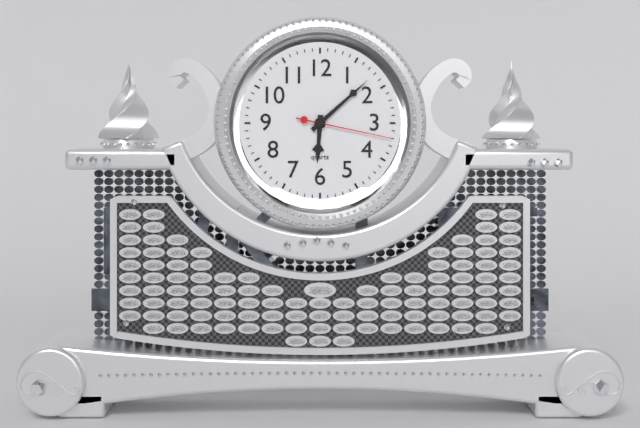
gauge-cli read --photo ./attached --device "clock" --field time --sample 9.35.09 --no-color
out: 6.08.17
